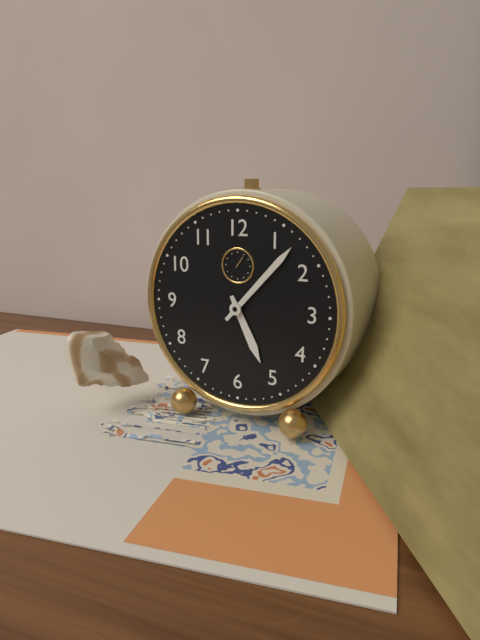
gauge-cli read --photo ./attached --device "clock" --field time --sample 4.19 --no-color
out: 5.07
